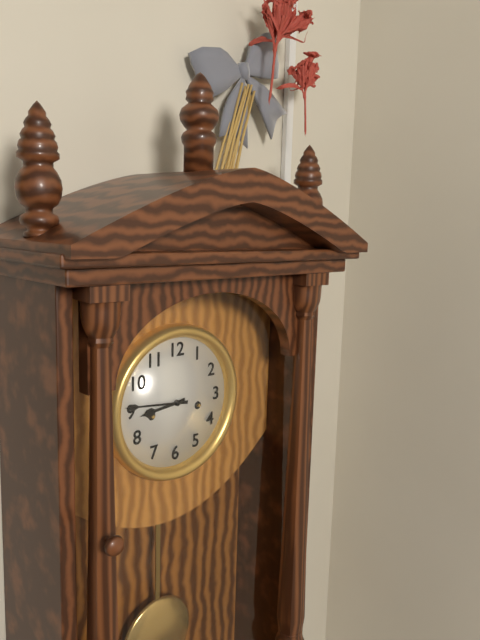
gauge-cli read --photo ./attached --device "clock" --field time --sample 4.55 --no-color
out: 8.46
